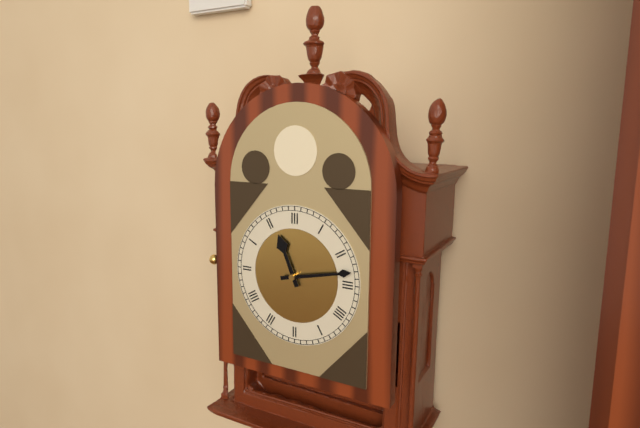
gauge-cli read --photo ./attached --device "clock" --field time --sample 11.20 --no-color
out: 11.13
